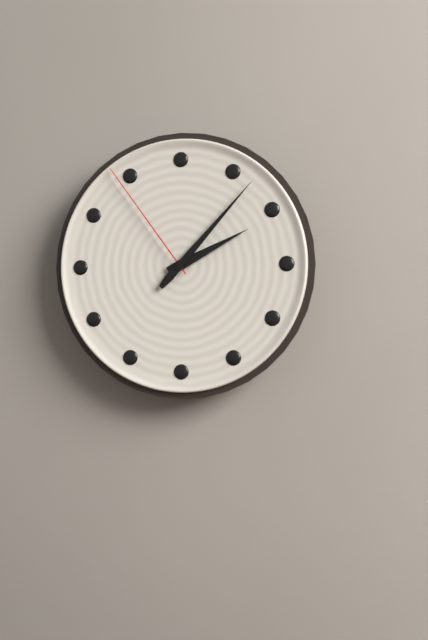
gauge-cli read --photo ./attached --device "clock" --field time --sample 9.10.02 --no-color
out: 2.07.54
